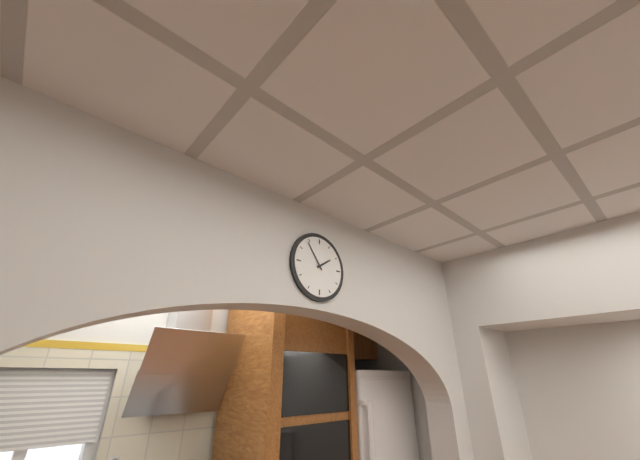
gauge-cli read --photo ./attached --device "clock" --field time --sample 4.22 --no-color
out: 1.54
